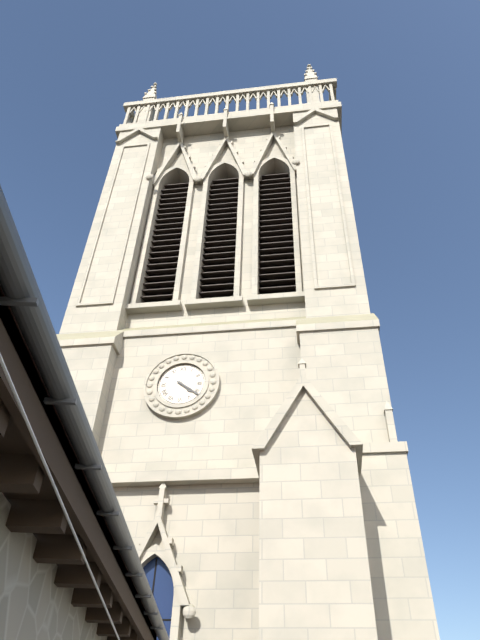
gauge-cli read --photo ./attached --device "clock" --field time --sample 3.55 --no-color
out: 4.21
